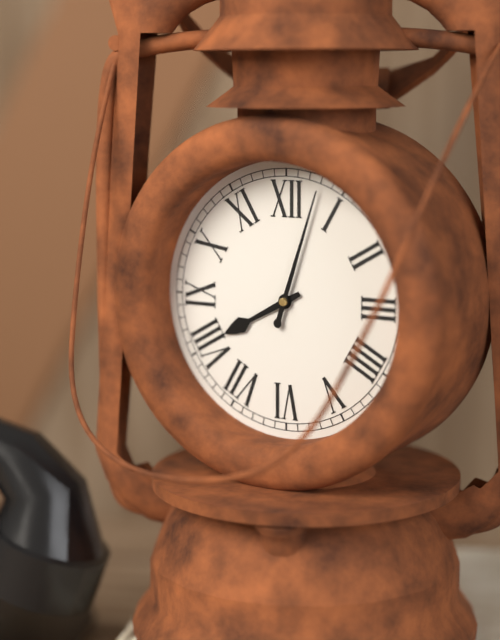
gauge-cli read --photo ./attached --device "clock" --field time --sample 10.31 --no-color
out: 8.03
